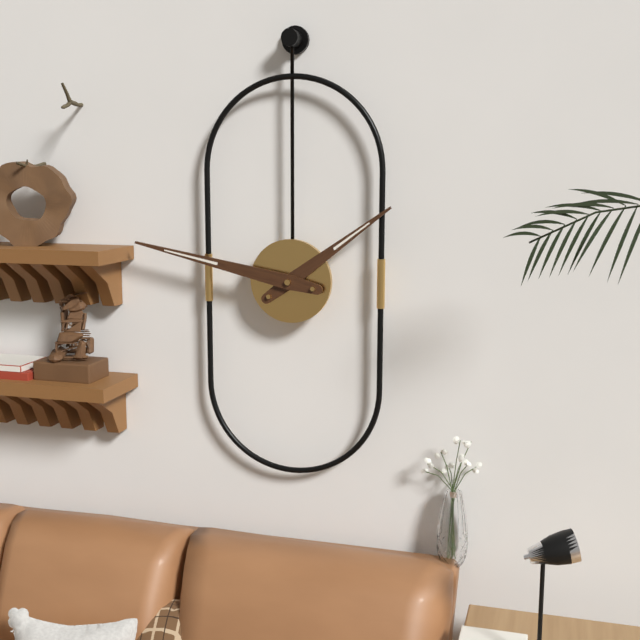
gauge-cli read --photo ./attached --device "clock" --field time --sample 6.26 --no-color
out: 1.47
